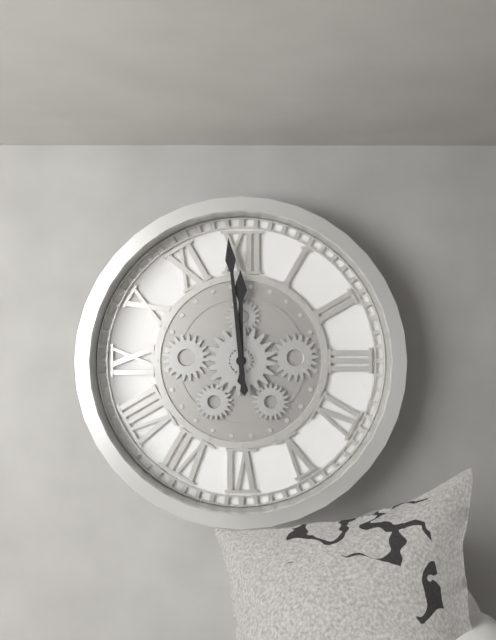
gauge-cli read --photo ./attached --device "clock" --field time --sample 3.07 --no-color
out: 11.59
